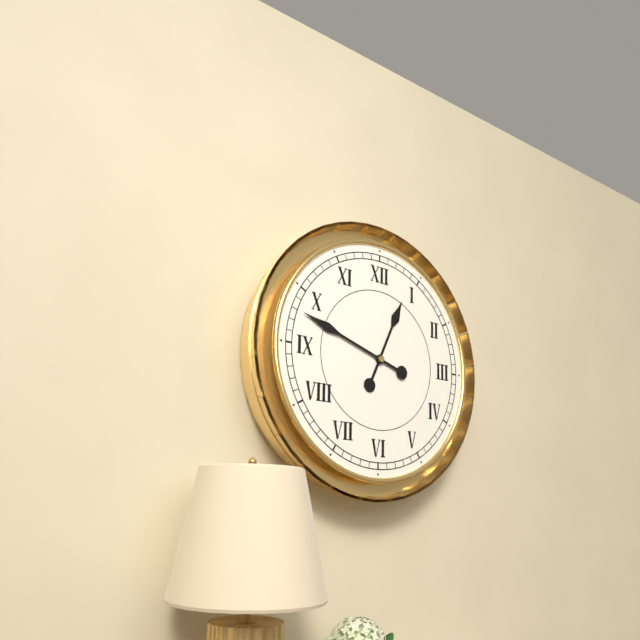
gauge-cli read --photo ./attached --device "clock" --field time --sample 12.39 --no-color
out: 12.48
